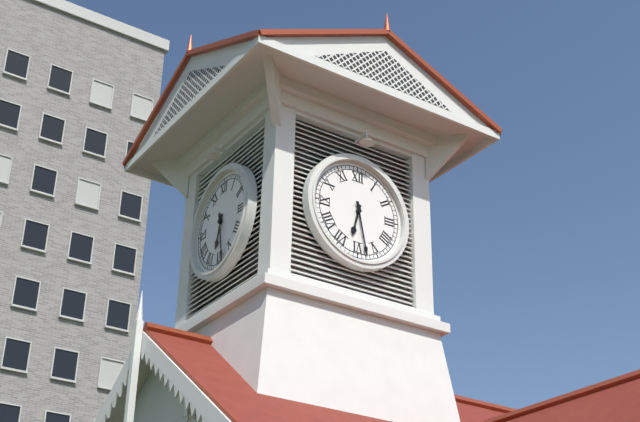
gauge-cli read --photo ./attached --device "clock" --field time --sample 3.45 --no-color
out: 6.28
